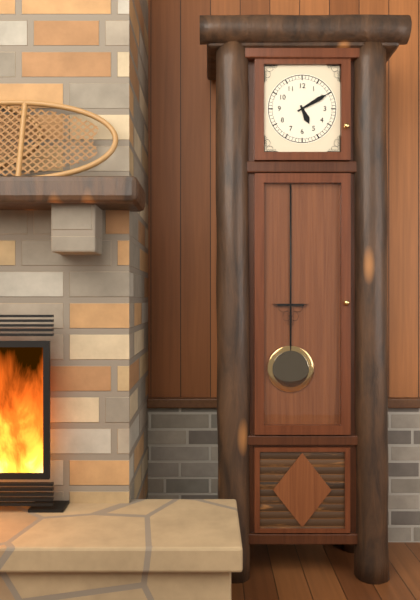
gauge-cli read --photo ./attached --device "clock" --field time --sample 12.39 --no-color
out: 5.10
